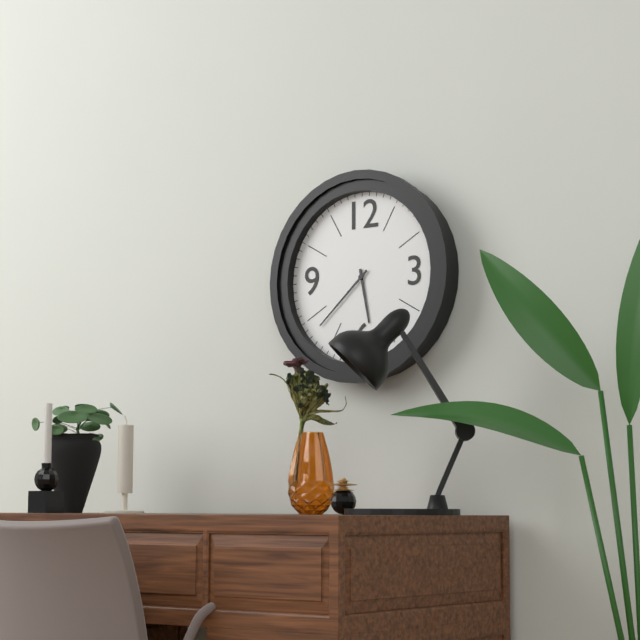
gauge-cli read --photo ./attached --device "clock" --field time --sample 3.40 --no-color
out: 5.38
